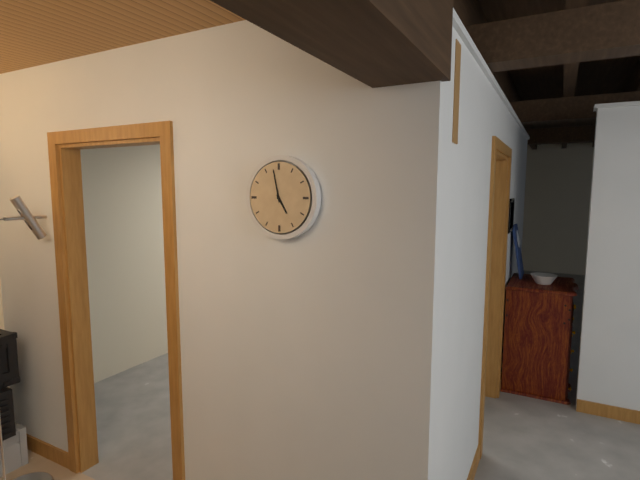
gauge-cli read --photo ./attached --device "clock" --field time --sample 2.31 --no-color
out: 4.58
